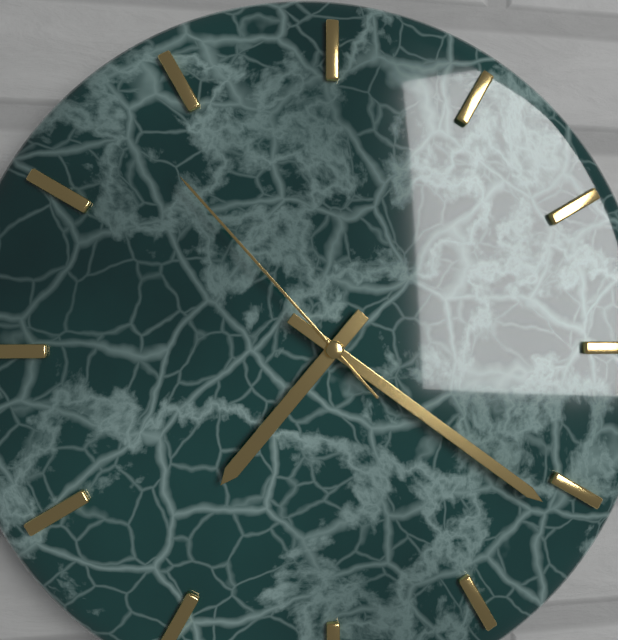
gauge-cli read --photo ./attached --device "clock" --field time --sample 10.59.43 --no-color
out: 7.21.53
